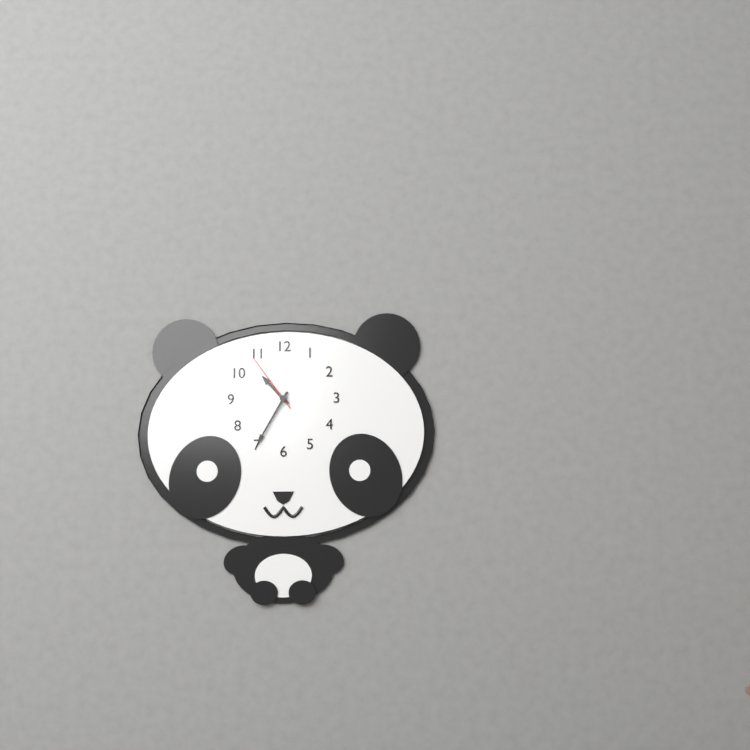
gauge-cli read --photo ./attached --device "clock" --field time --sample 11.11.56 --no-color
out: 10.35.54
